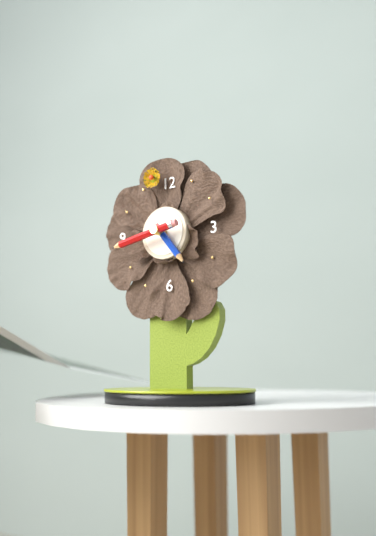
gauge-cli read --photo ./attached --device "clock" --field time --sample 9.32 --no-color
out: 4.43
